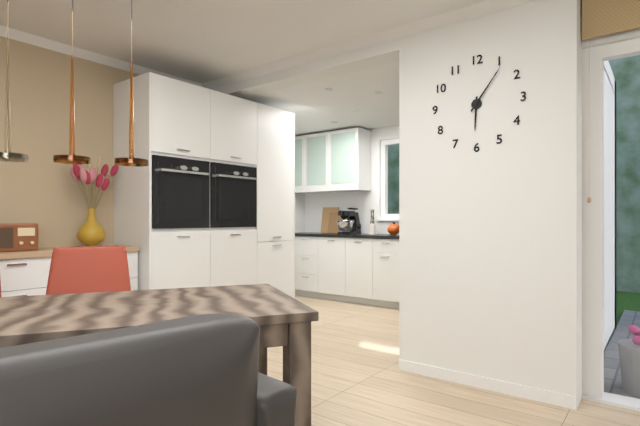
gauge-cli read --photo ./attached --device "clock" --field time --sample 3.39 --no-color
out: 6.06
